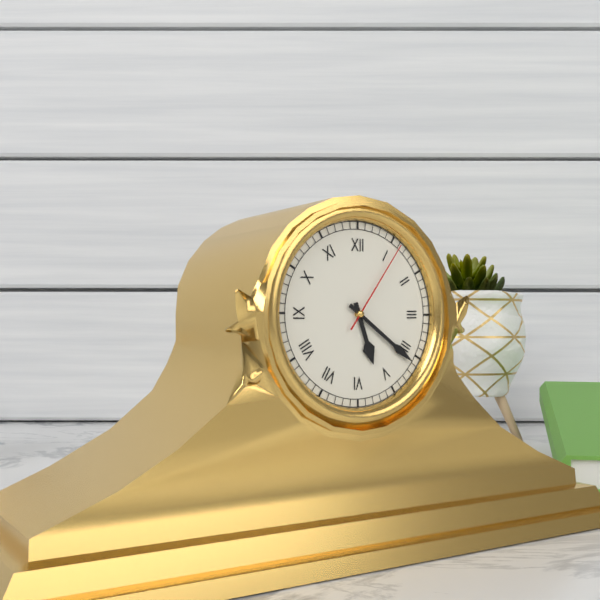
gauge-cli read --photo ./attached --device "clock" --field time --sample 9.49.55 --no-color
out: 5.21.06
